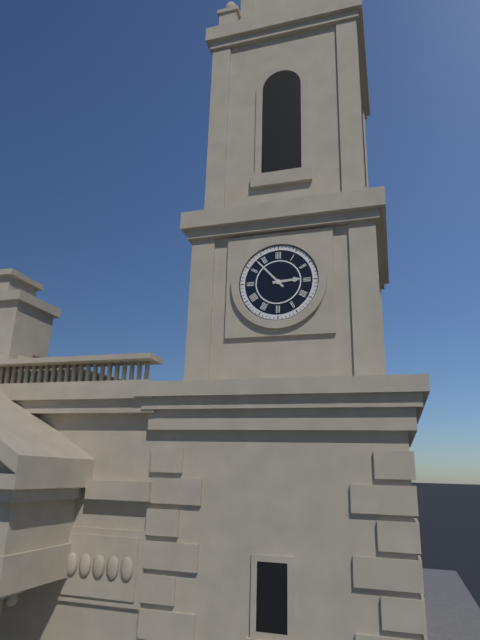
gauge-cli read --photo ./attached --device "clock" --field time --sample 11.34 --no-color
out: 2.53
